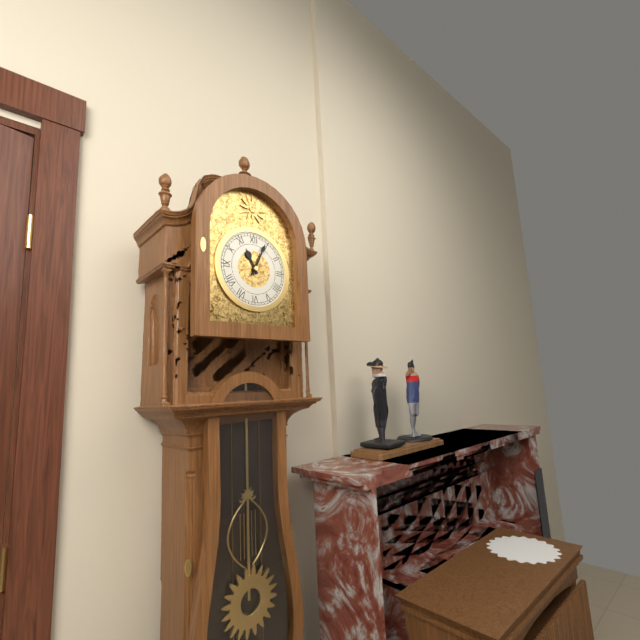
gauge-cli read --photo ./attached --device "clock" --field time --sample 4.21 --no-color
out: 11.04
